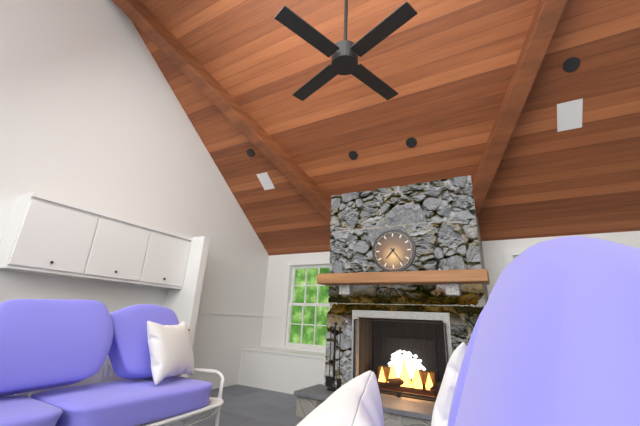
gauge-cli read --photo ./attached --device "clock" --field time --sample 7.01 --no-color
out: 7.24
